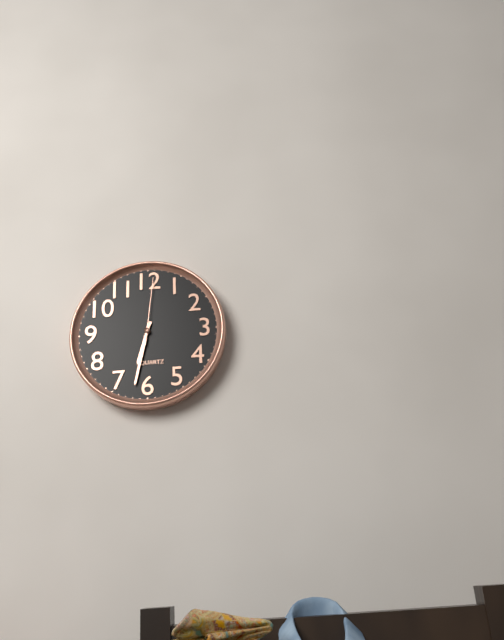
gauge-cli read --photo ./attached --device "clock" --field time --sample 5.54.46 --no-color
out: 6.32.01
